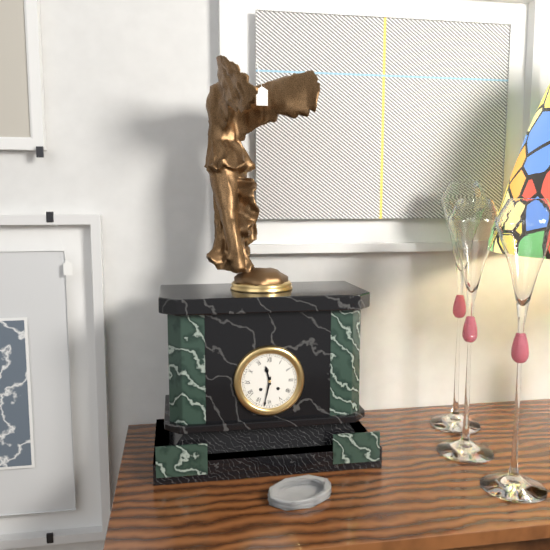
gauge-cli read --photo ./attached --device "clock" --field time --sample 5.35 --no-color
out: 11.32
